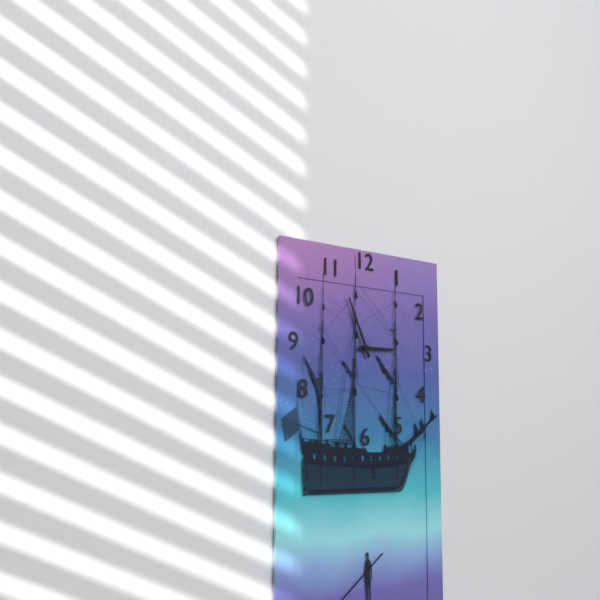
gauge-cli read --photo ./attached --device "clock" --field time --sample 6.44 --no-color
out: 2.56
